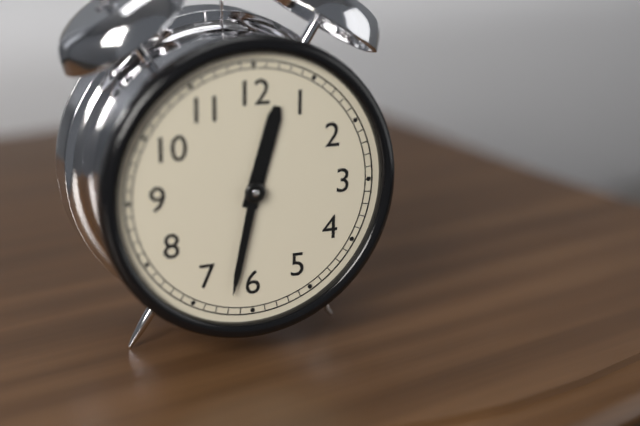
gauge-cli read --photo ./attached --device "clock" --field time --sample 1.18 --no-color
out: 12.32
